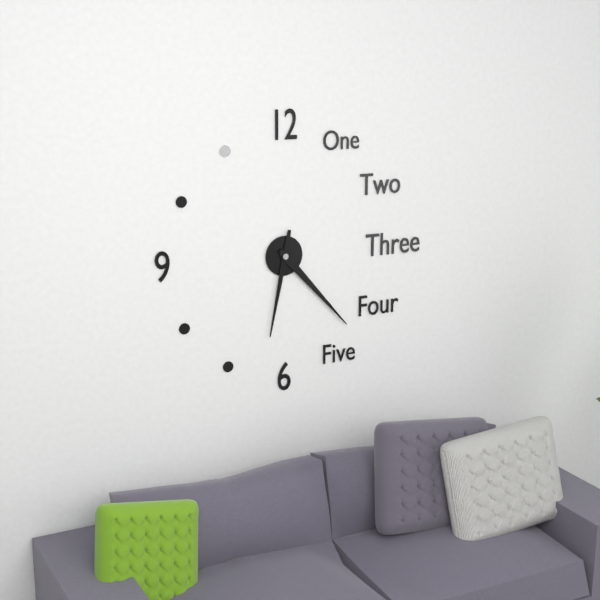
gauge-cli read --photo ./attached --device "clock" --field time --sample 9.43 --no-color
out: 6.23
